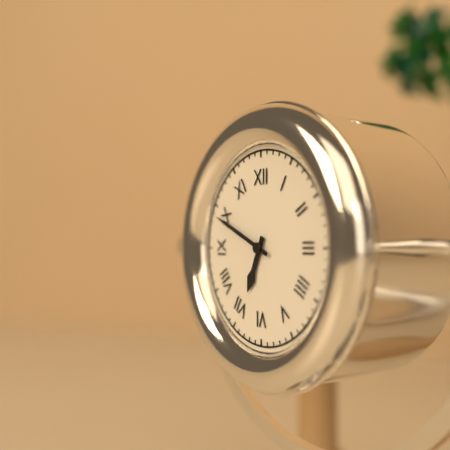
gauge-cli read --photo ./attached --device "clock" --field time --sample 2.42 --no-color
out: 6.49
